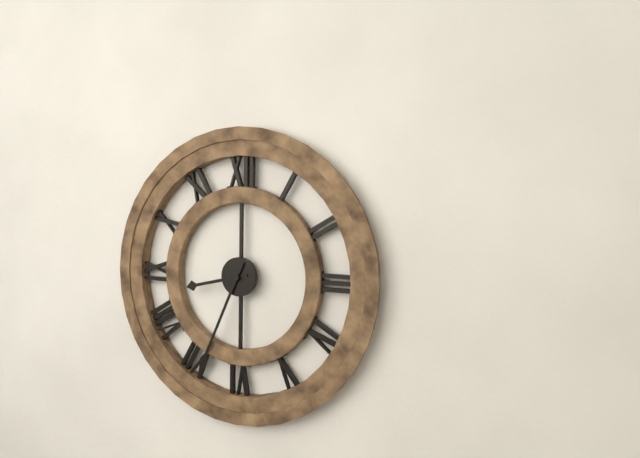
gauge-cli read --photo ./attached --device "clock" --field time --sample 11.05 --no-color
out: 8.34
